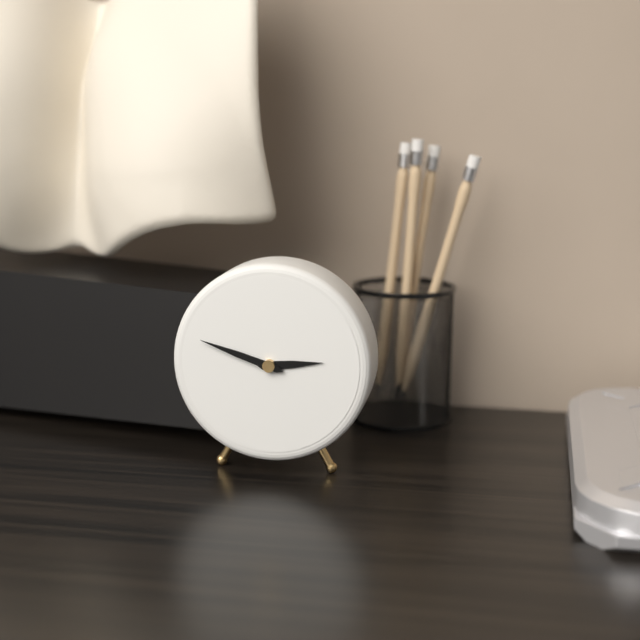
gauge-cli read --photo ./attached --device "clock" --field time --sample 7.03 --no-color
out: 2.48
